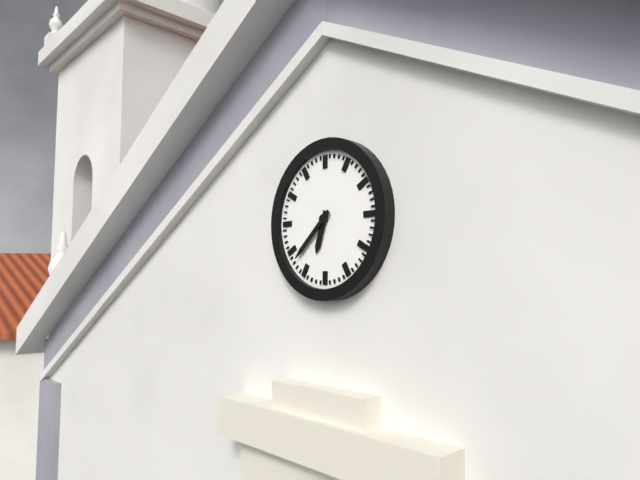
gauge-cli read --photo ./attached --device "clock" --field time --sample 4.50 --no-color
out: 6.38
